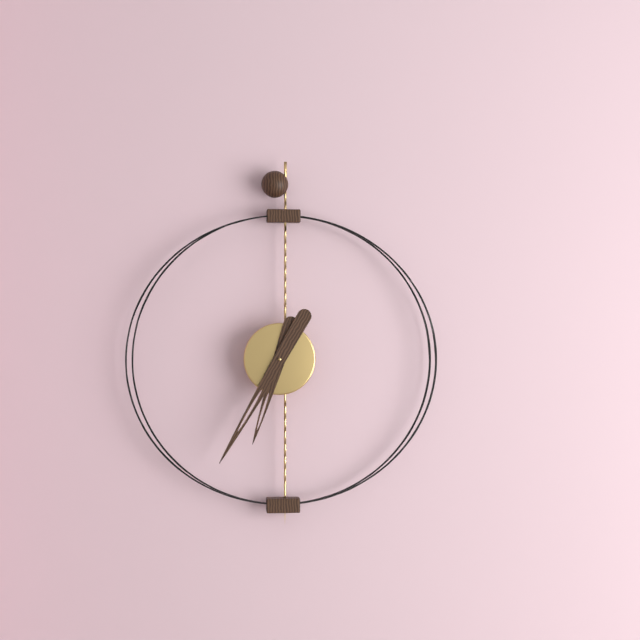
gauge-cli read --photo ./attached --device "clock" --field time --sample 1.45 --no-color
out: 6.35
